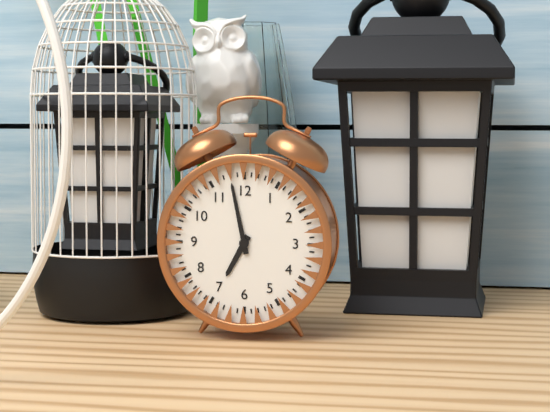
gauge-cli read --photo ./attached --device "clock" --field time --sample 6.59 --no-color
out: 6.58
